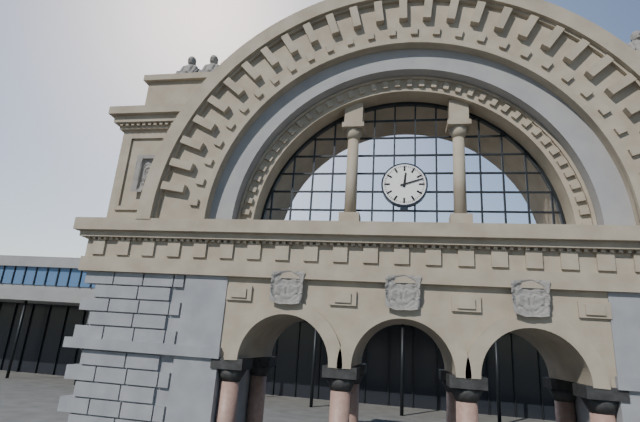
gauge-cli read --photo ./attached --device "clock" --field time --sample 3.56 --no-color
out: 12.12
